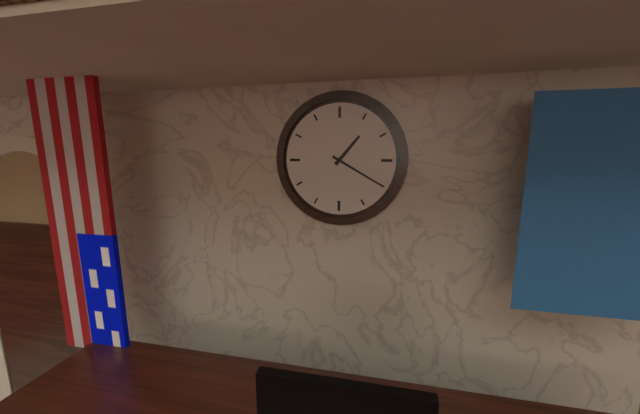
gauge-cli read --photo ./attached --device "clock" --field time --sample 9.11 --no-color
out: 1.20
